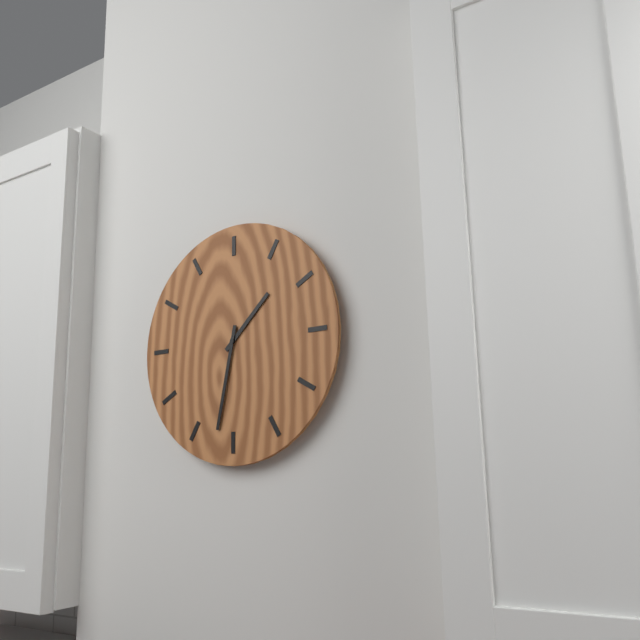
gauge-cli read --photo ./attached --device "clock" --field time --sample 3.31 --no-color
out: 1.32
